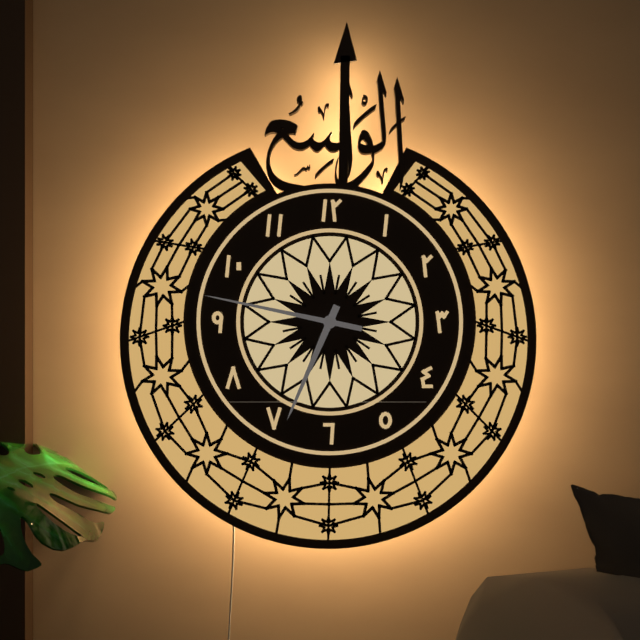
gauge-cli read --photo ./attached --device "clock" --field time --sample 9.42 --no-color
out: 6.47
